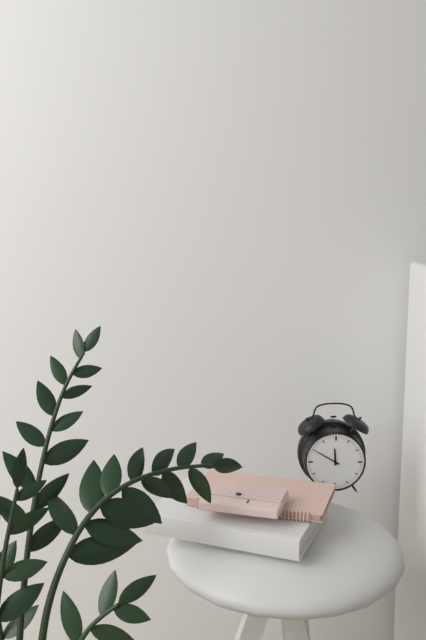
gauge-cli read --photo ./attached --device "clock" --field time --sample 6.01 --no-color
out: 11.50
